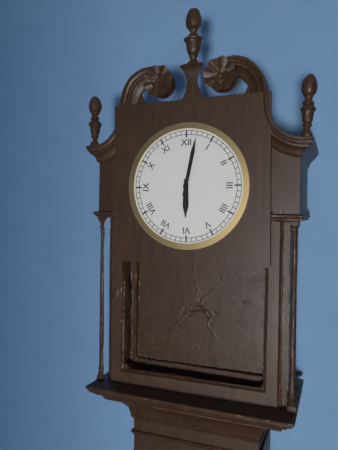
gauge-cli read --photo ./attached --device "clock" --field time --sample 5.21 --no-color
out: 6.02
